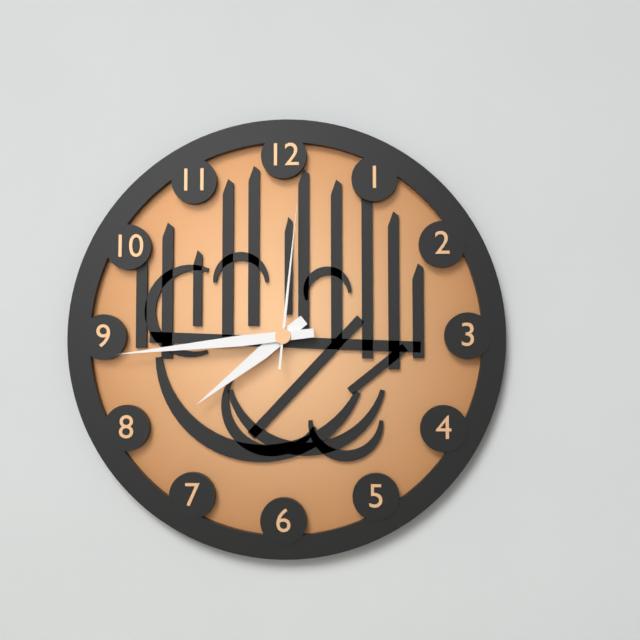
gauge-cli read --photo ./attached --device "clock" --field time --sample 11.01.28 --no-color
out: 7.44.01
